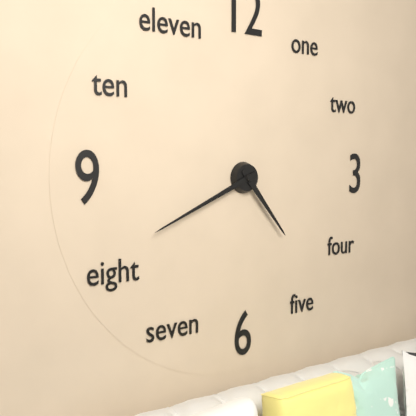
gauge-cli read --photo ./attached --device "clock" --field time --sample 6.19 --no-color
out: 4.41
